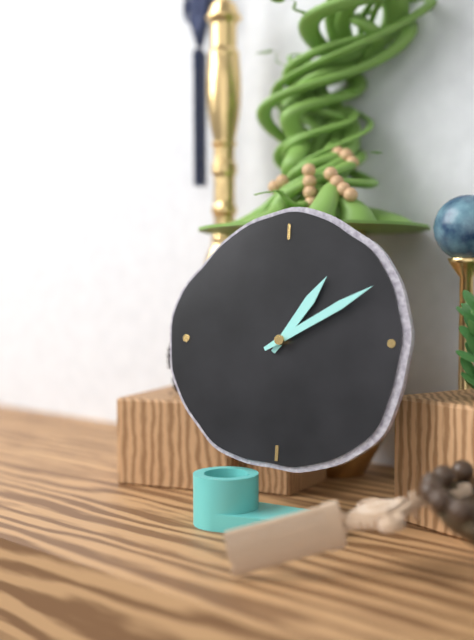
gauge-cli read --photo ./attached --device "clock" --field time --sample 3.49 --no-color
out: 1.10
